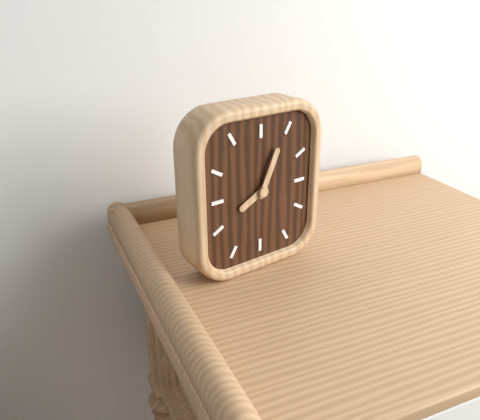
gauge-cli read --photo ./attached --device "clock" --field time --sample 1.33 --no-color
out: 8.04
